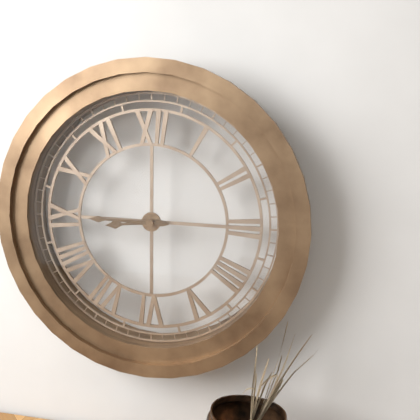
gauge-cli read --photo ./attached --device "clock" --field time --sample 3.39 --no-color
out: 8.45
